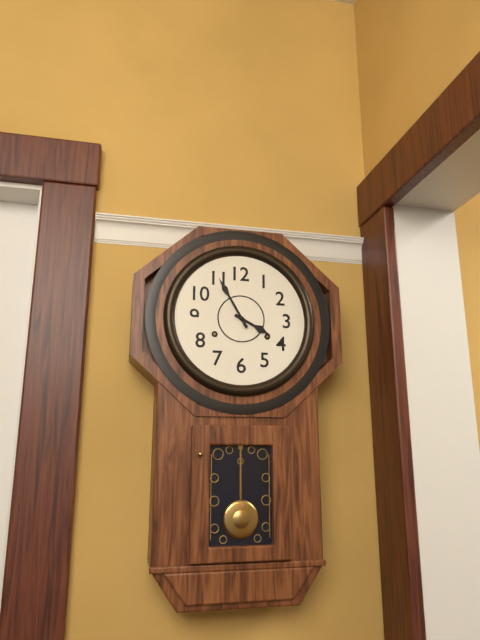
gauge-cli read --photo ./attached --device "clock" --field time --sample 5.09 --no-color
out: 3.55
